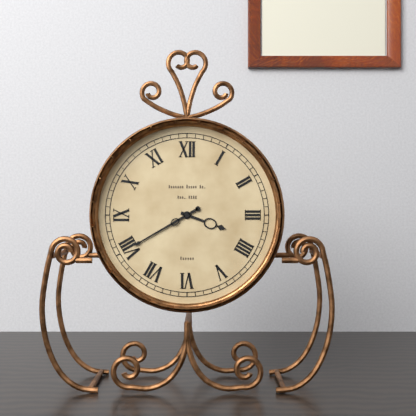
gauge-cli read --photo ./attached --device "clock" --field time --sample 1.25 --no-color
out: 3.40
